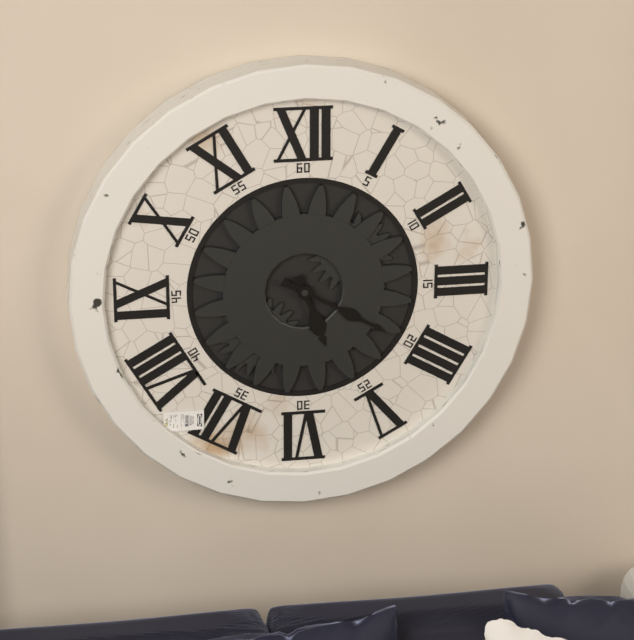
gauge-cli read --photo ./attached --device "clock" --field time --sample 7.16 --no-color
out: 5.20
